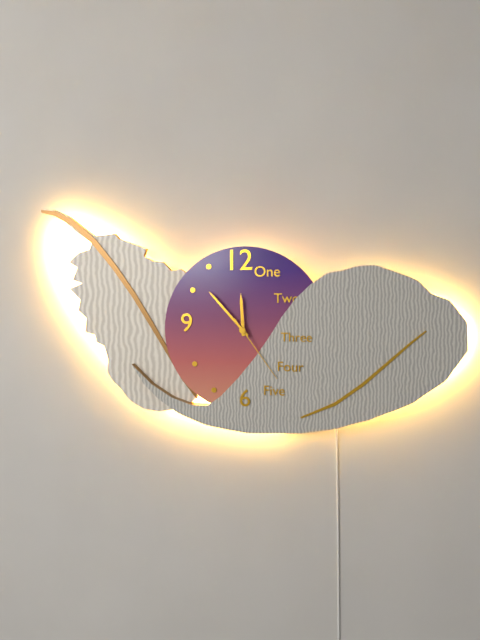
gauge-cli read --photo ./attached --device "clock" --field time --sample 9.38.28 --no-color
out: 11.53.24
